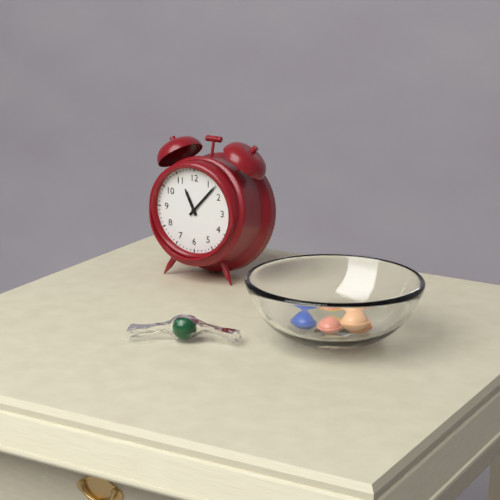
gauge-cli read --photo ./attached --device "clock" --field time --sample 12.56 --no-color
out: 11.07
